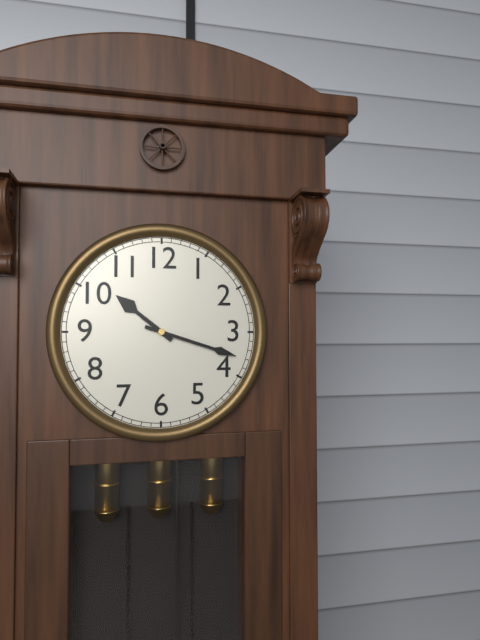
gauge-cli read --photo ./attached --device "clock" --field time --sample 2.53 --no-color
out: 10.18
